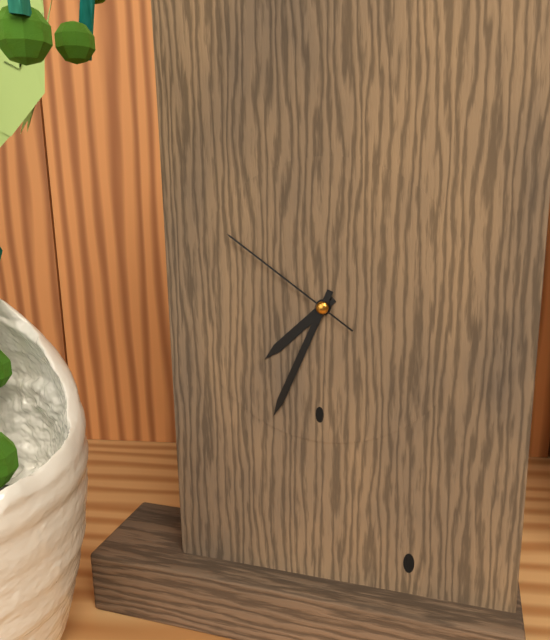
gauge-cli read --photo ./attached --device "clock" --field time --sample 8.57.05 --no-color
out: 7.34.51
